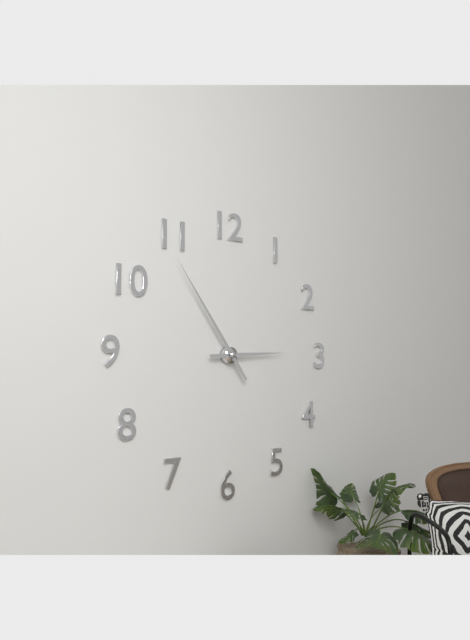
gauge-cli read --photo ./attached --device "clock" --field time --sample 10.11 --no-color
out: 2.54
